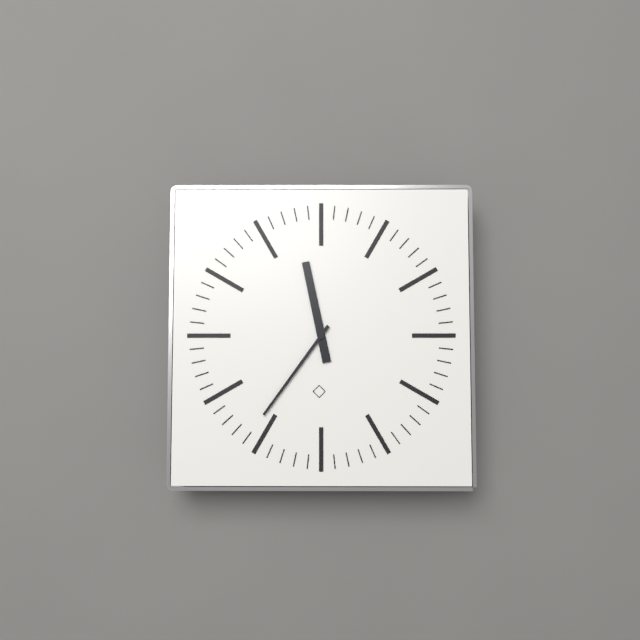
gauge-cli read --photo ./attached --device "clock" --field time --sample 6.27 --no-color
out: 11.36
